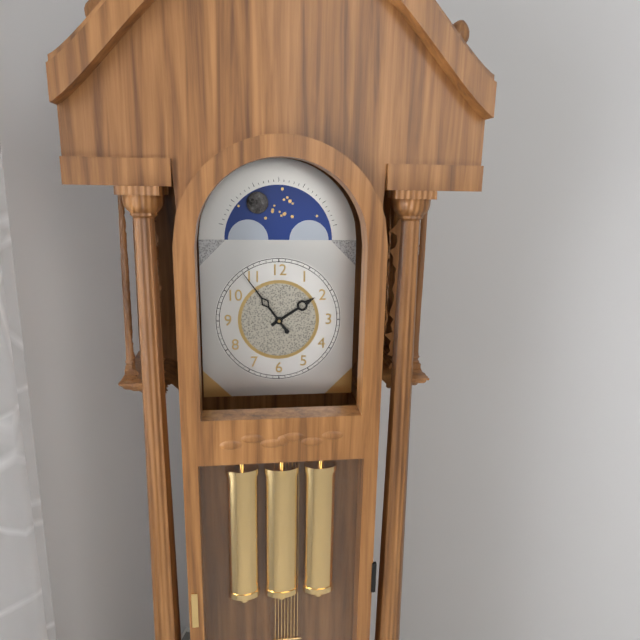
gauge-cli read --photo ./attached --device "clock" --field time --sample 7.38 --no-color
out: 1.54
